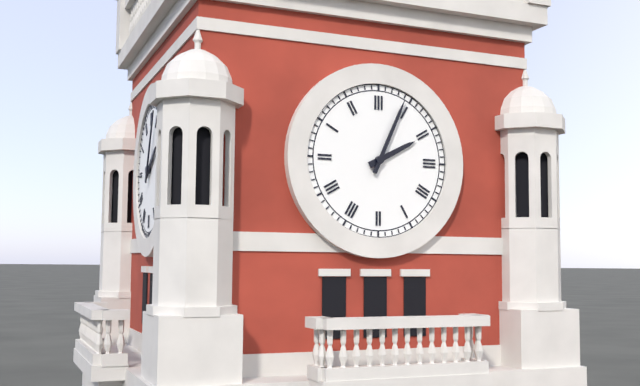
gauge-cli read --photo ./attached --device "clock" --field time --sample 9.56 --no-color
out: 2.04
